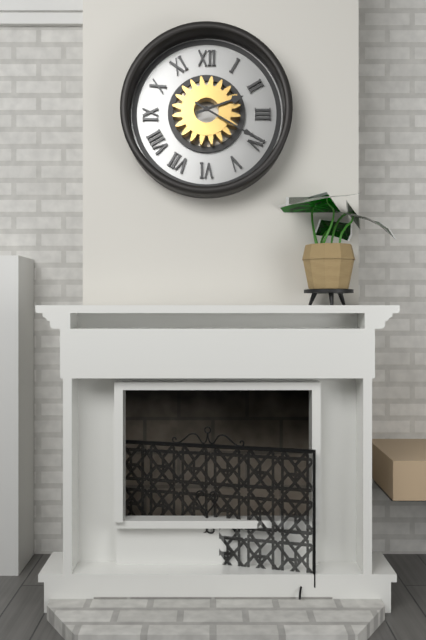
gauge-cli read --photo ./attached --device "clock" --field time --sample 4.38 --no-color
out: 2.20
